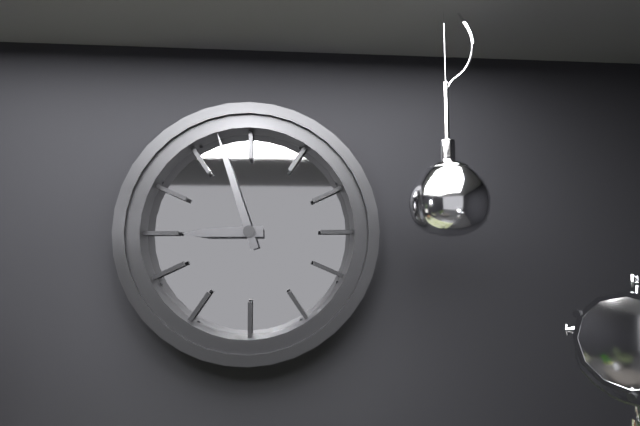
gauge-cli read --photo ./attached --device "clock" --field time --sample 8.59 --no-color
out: 8.57
